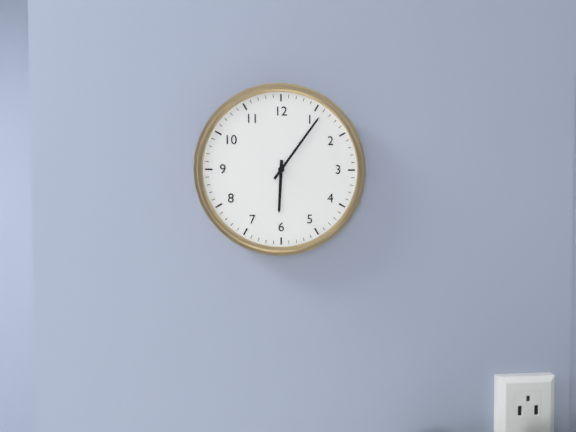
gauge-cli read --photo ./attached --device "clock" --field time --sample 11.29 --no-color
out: 6.06
